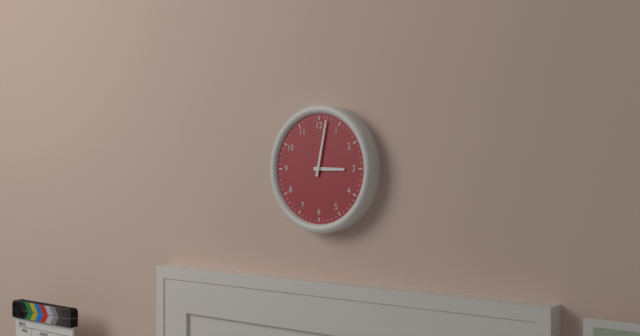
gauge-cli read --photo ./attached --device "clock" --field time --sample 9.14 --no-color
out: 3.02
